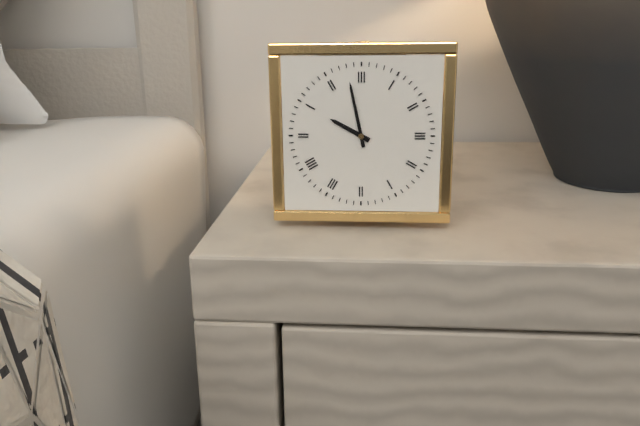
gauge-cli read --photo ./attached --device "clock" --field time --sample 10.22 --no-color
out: 9.58
